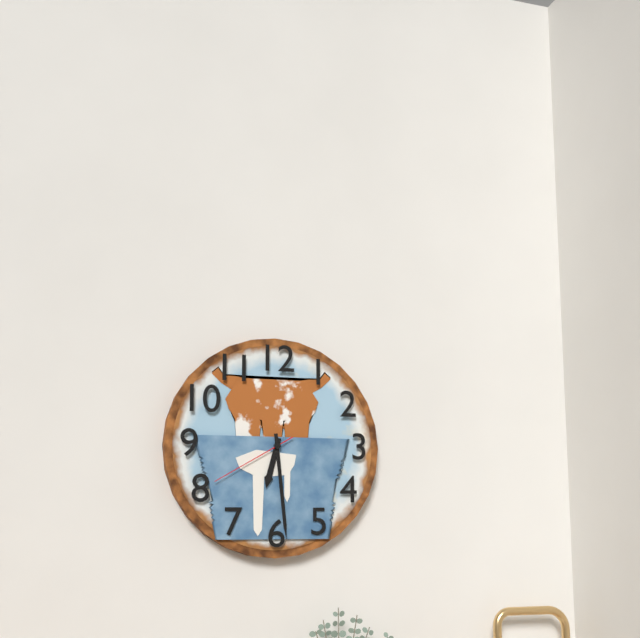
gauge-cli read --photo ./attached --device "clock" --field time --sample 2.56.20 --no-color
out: 6.29.40
